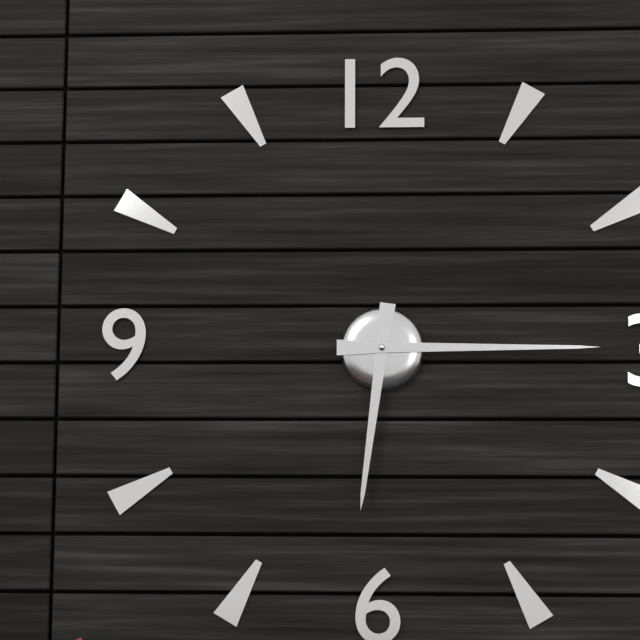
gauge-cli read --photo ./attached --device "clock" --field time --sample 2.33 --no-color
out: 6.15
